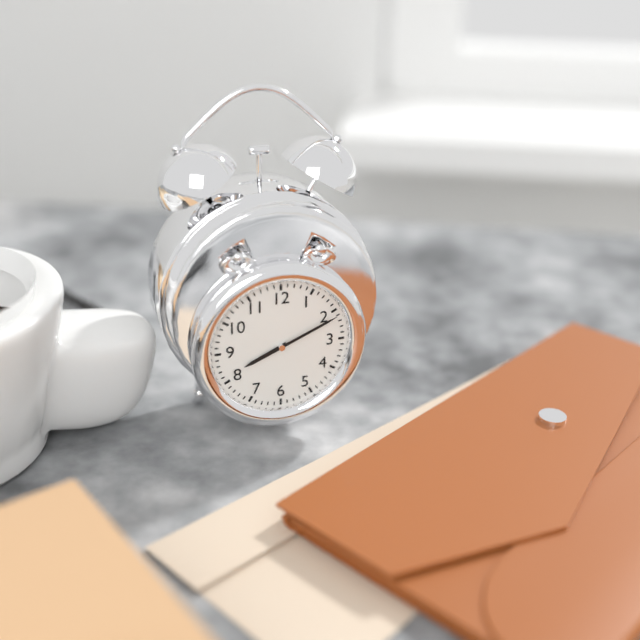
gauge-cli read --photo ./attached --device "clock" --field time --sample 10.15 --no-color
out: 8.11
